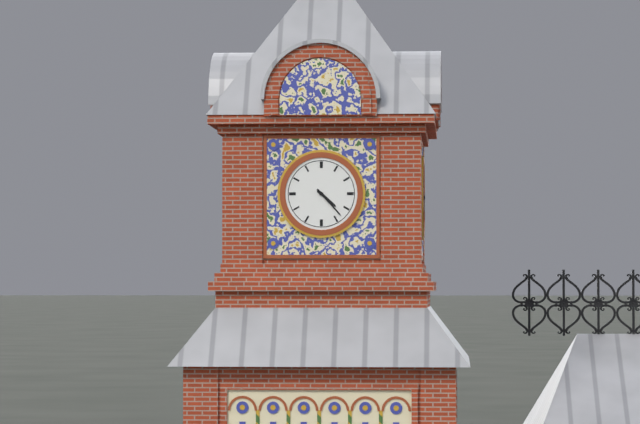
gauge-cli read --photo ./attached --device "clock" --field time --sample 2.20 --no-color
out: 4.23
